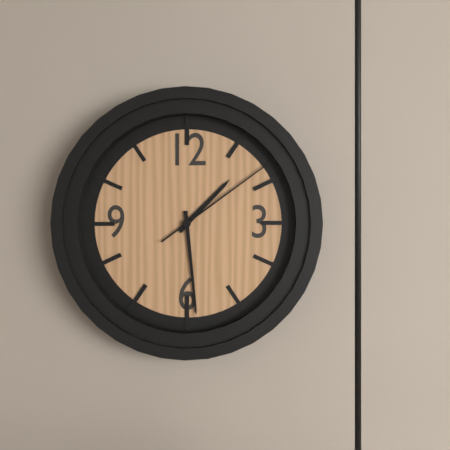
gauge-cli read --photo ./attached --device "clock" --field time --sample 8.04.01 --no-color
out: 1.29.09
